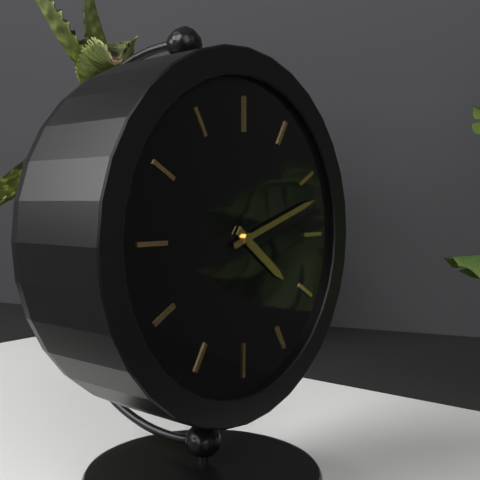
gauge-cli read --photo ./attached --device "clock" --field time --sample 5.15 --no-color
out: 4.12
